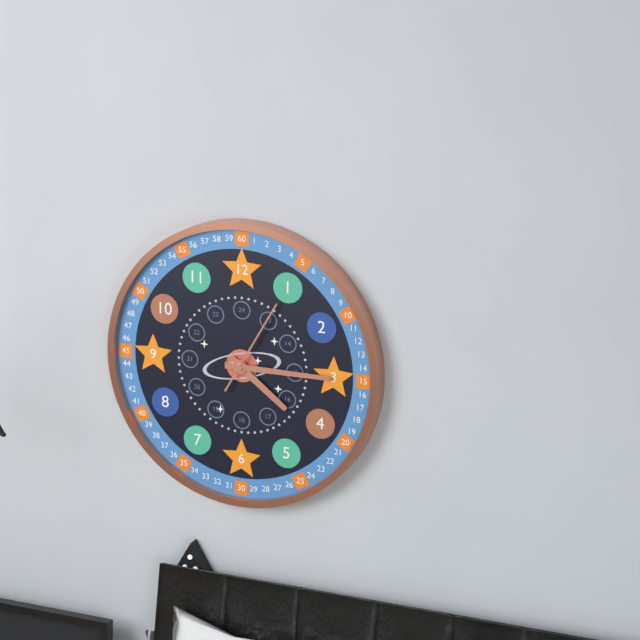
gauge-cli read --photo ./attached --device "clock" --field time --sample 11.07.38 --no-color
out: 4.15.05
